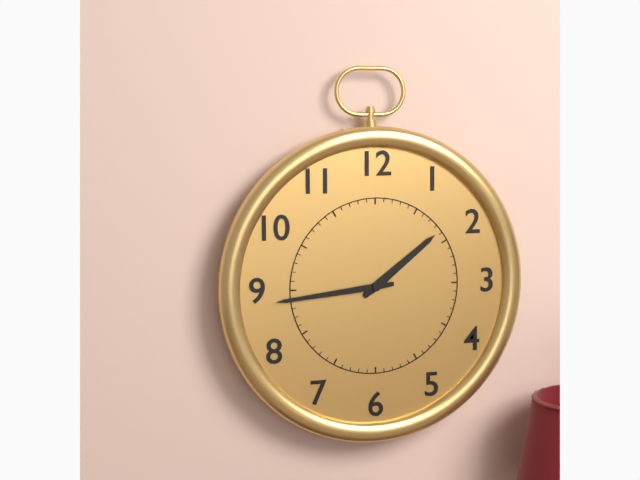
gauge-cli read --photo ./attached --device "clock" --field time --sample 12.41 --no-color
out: 1.44
